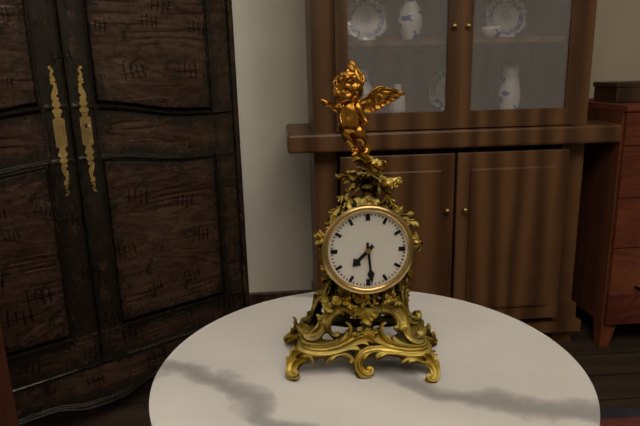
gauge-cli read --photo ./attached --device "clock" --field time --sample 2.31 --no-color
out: 7.29
